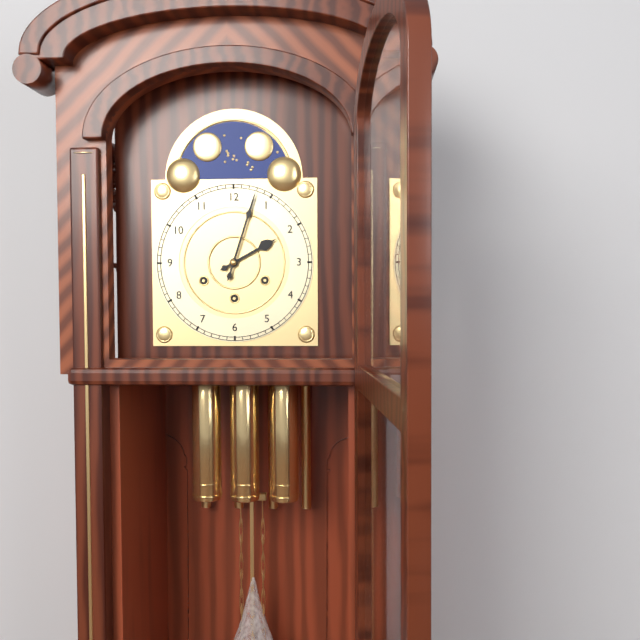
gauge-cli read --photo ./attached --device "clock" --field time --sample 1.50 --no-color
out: 2.03
